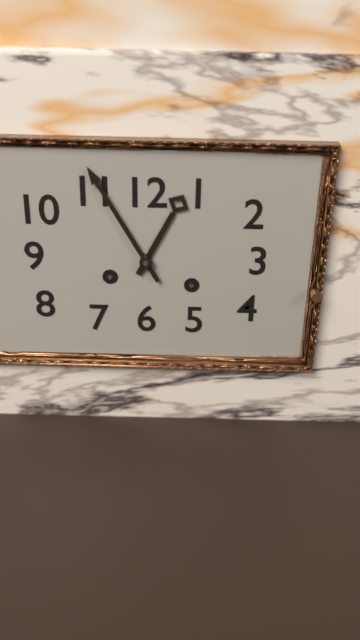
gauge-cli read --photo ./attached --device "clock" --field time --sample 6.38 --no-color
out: 12.55
